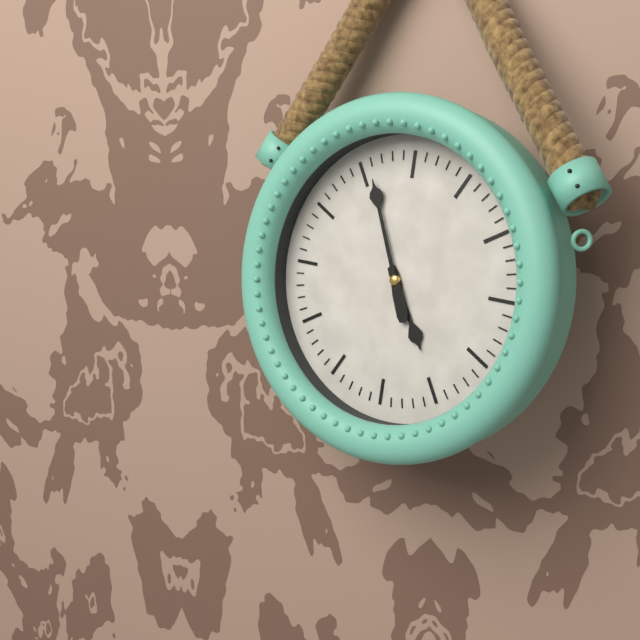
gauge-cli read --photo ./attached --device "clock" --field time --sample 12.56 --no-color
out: 4.56
